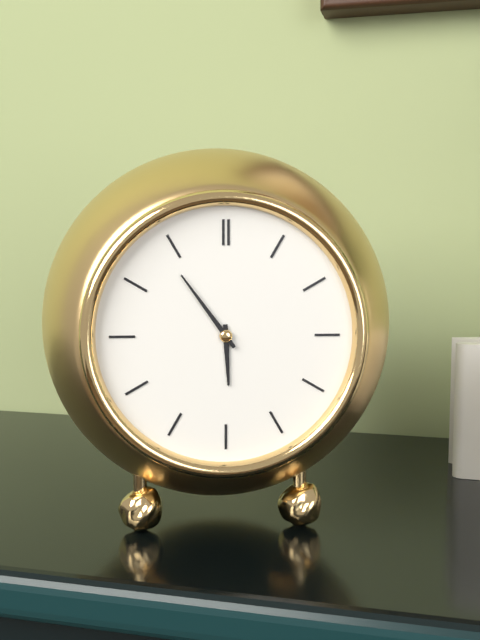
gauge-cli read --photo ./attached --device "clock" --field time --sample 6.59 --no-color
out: 5.54
